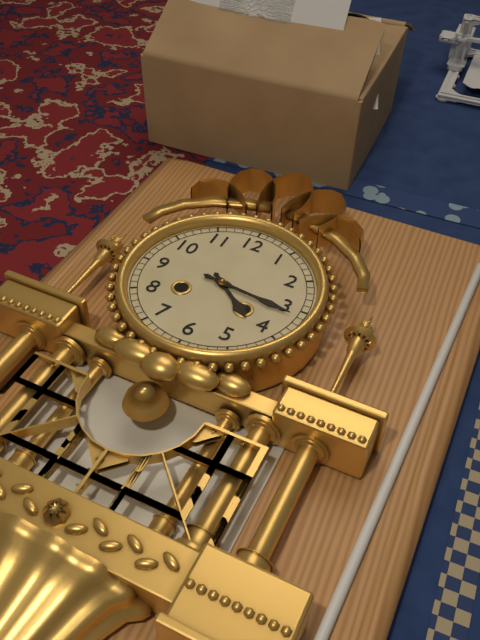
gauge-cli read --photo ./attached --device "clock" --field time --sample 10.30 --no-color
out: 4.16
